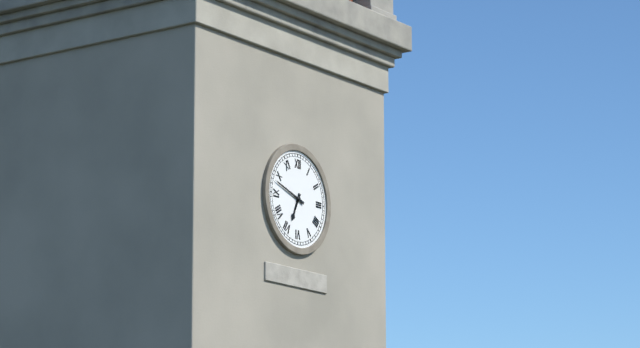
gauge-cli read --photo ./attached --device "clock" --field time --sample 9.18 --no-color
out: 6.48
